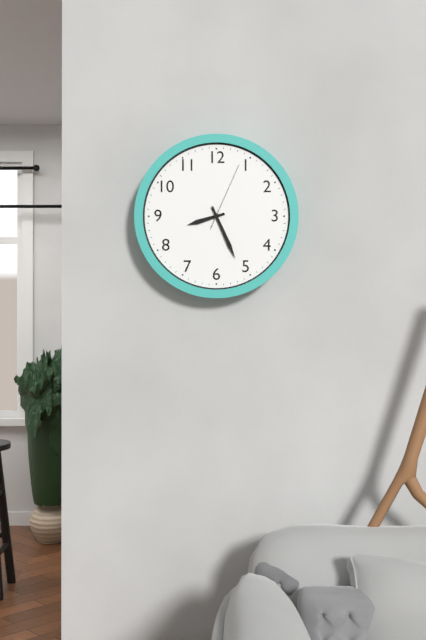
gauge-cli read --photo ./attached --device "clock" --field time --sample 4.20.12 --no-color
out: 8.26.04
